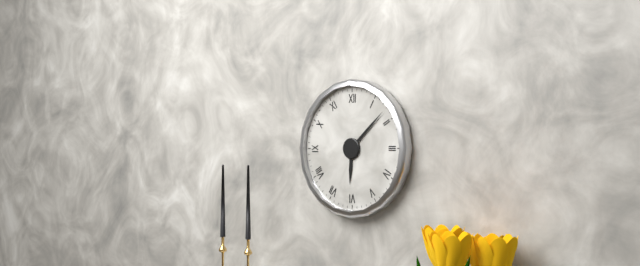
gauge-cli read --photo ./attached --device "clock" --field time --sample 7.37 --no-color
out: 6.08
